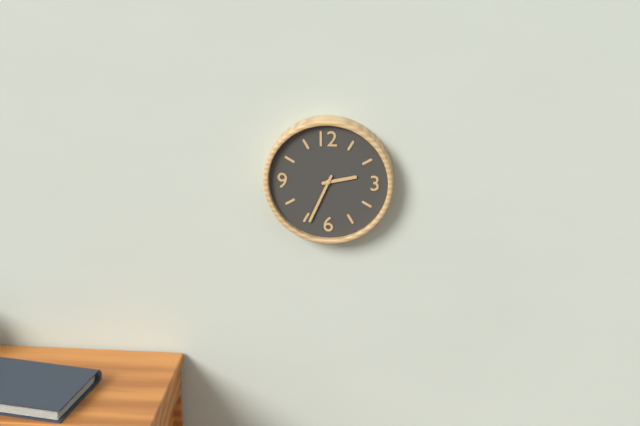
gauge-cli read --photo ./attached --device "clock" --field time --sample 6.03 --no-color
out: 2.34
